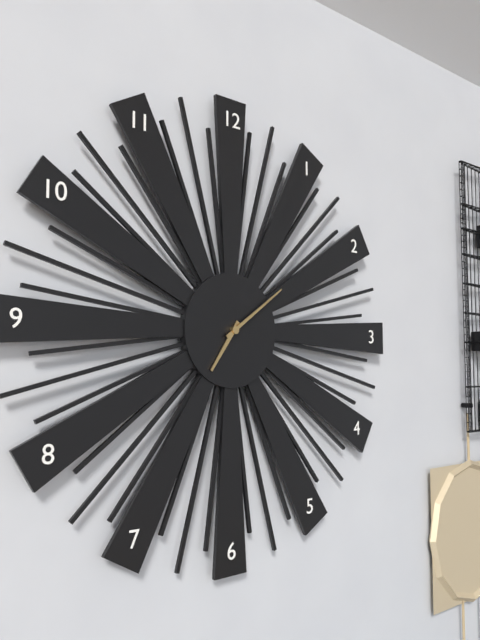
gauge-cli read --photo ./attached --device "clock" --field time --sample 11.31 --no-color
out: 7.09
